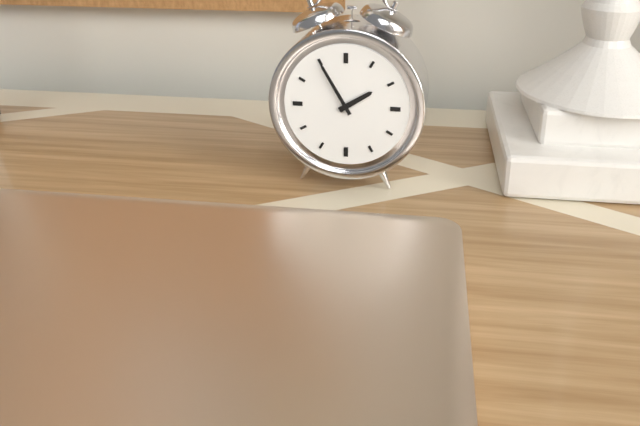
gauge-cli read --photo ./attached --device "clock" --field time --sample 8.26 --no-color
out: 1.55
